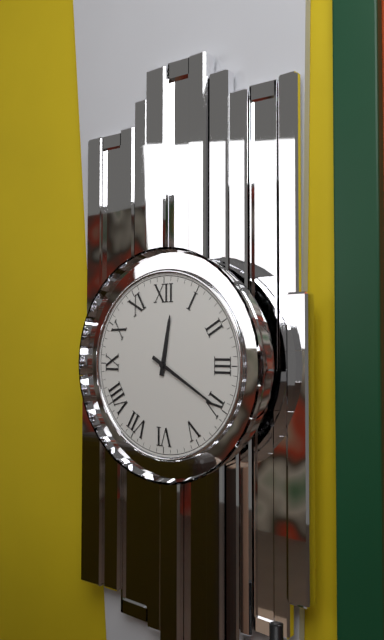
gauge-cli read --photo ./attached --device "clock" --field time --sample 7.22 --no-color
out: 12.20
